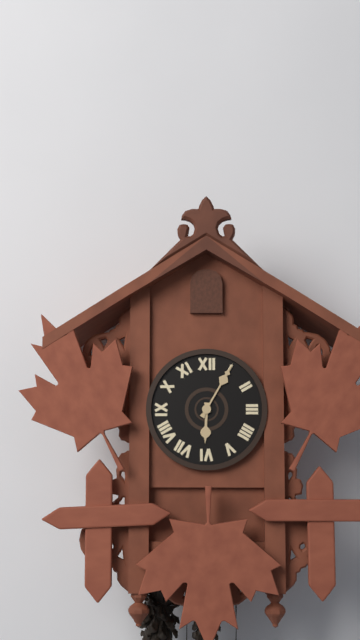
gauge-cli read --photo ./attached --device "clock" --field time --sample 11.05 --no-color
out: 6.05
